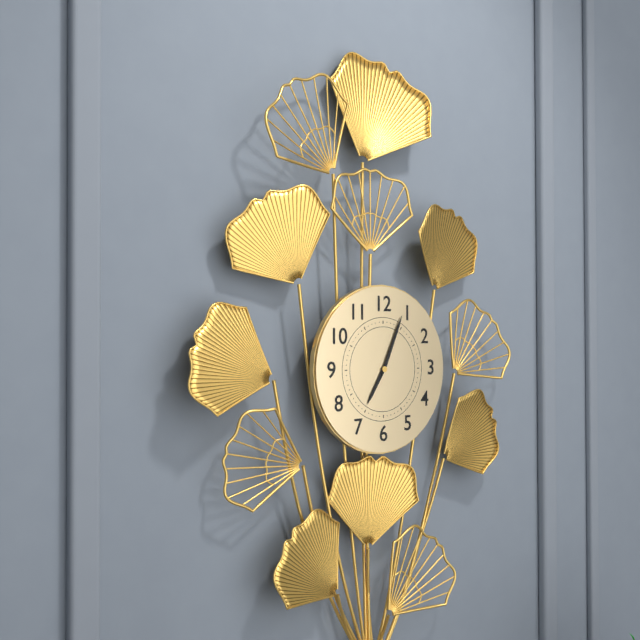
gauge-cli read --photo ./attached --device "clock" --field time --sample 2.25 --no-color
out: 7.04
